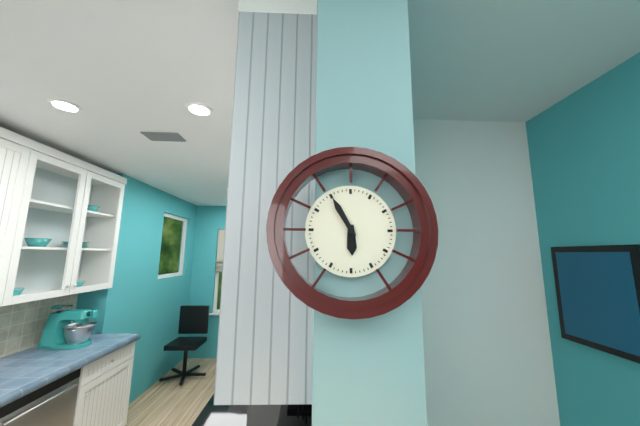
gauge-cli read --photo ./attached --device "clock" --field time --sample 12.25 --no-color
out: 5.55
